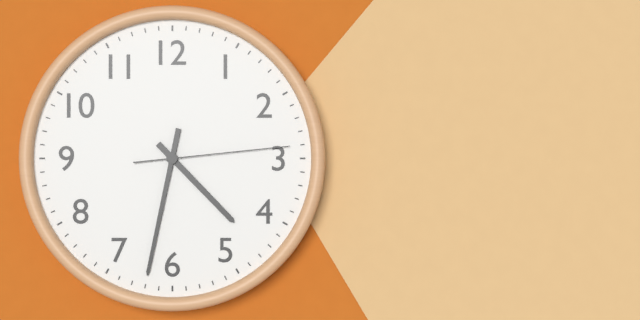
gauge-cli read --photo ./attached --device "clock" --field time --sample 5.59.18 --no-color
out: 4.32.14
